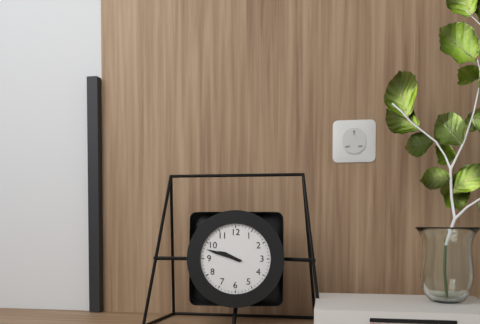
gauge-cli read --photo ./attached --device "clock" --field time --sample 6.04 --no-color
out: 9.48
